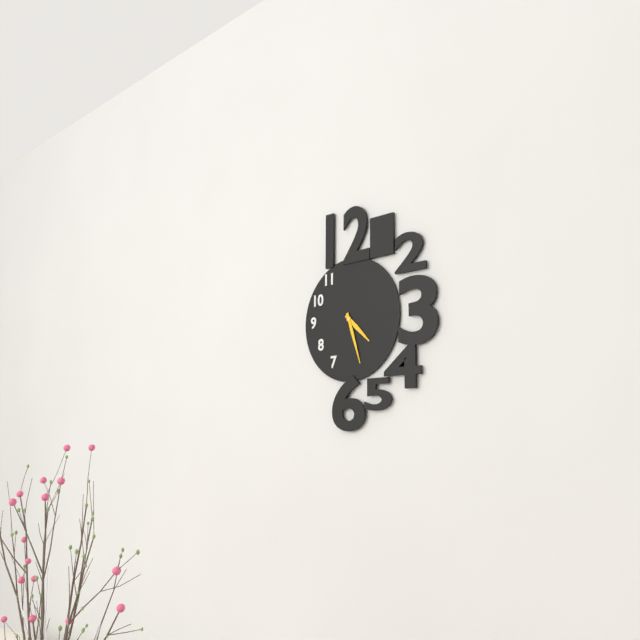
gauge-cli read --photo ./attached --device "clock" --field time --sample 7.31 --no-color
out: 4.27
